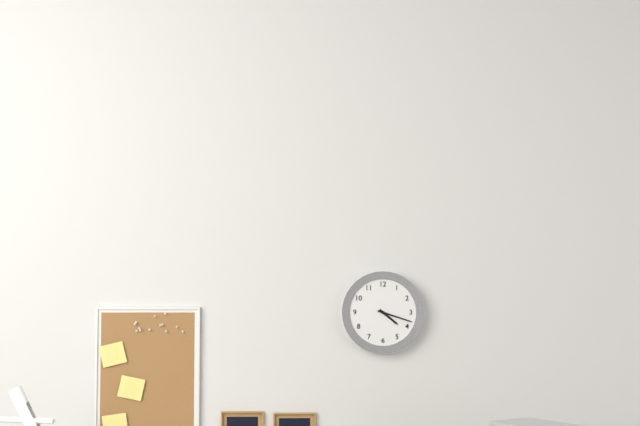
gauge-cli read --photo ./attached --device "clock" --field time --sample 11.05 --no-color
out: 4.18
